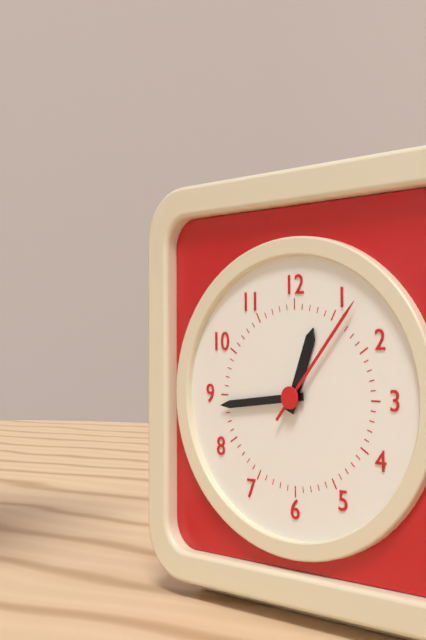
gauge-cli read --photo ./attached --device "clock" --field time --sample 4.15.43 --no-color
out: 12.44.07
